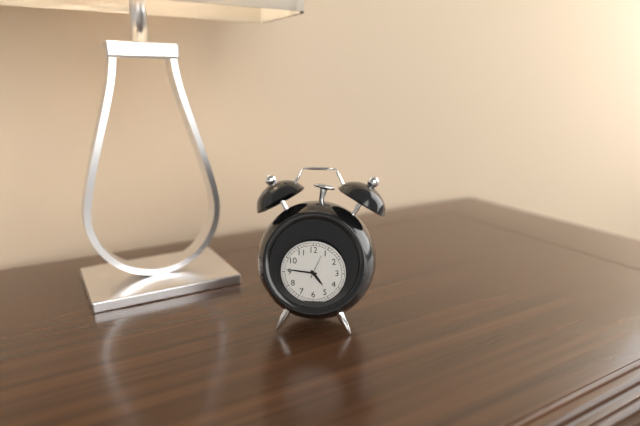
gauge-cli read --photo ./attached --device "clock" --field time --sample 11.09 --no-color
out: 4.46
